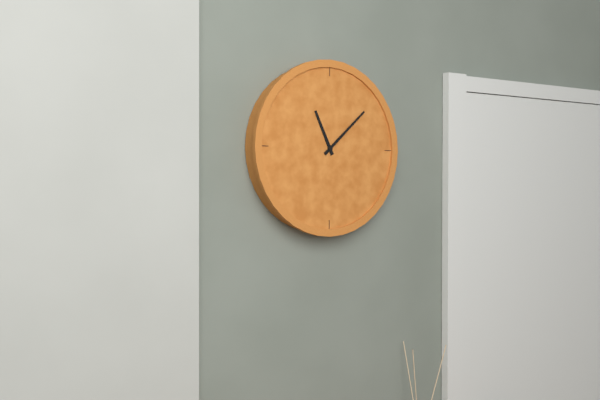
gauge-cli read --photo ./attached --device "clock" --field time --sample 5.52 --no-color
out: 11.08
